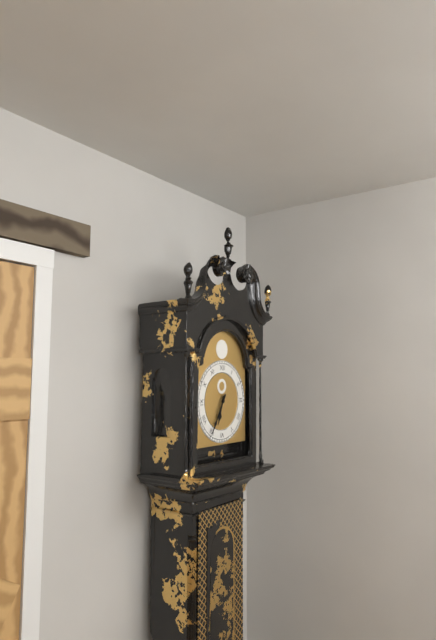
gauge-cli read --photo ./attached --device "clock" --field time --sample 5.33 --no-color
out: 6.35
